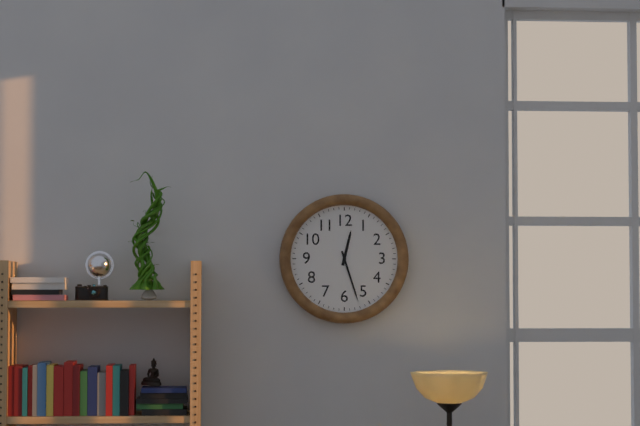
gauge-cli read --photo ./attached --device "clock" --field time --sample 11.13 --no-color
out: 12.27
